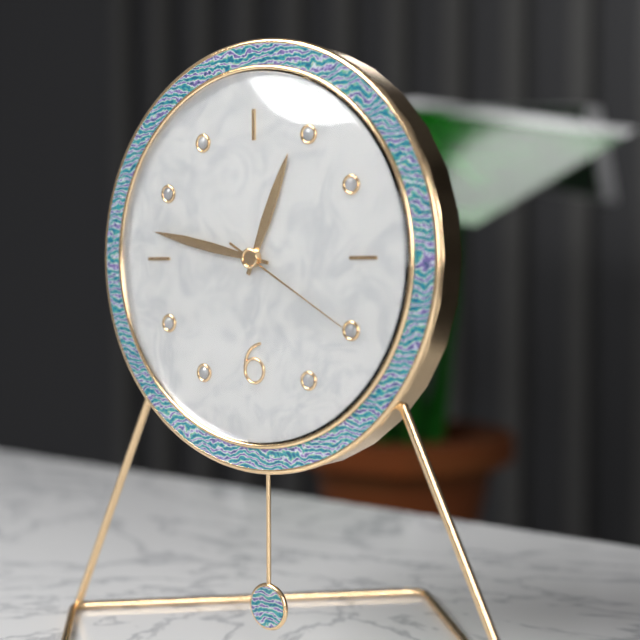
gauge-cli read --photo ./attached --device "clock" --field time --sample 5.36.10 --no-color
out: 12.47.20
